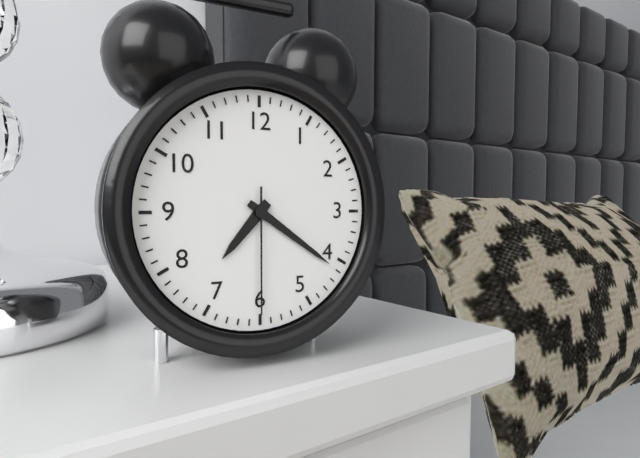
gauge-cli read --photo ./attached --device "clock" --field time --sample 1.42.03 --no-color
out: 7.21.30
